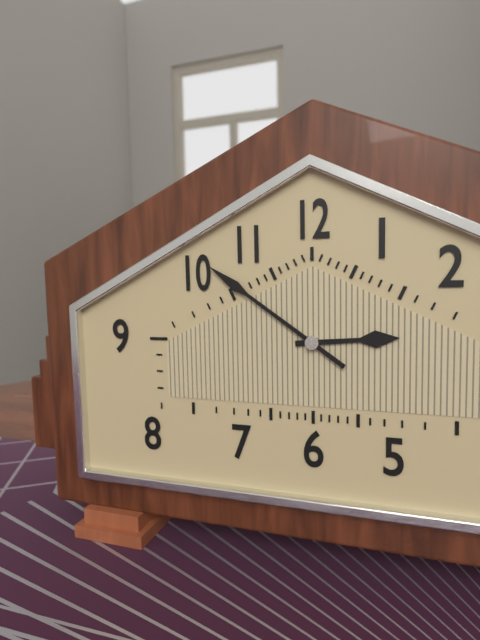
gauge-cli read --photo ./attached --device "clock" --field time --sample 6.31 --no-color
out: 2.51
